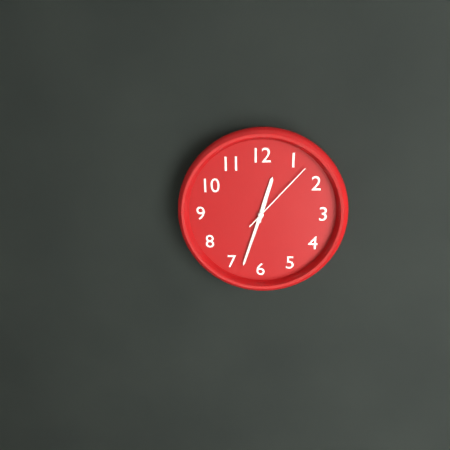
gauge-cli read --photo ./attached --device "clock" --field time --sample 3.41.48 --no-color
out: 12.33.07
